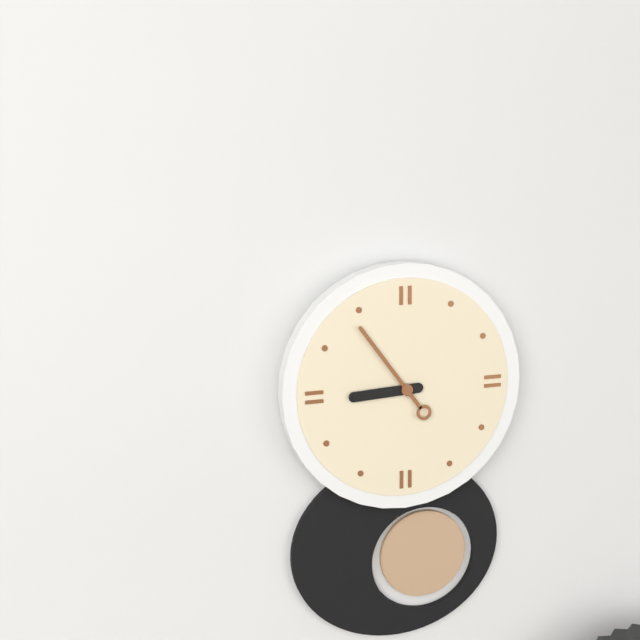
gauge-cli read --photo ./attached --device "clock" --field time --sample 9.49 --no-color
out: 8.54
